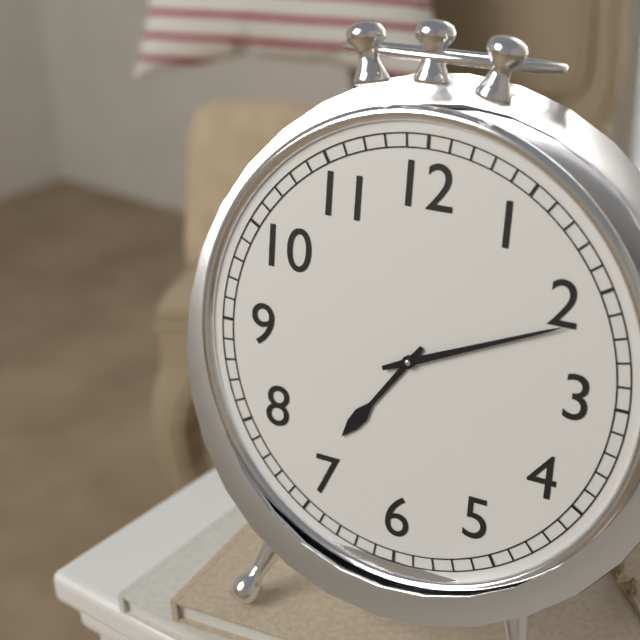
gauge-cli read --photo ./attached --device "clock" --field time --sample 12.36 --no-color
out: 7.11
